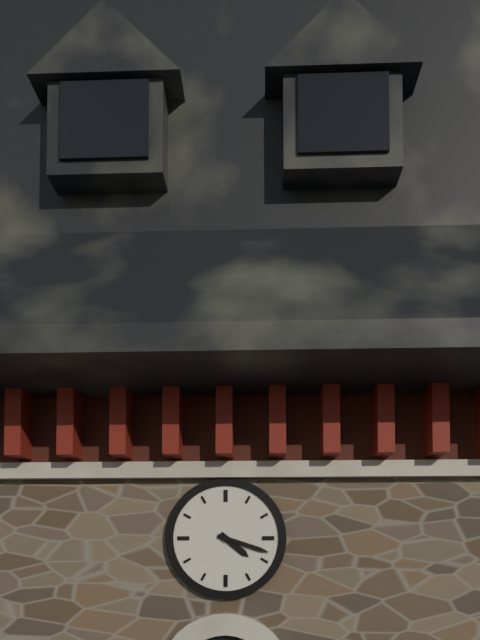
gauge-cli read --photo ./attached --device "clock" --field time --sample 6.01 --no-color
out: 4.18
